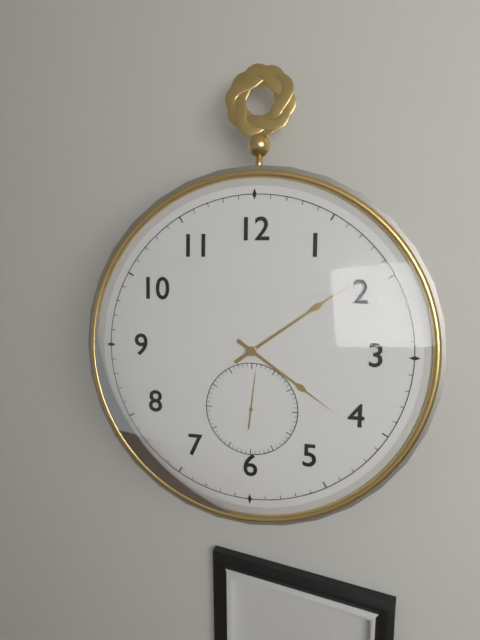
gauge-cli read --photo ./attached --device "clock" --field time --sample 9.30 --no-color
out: 4.09
